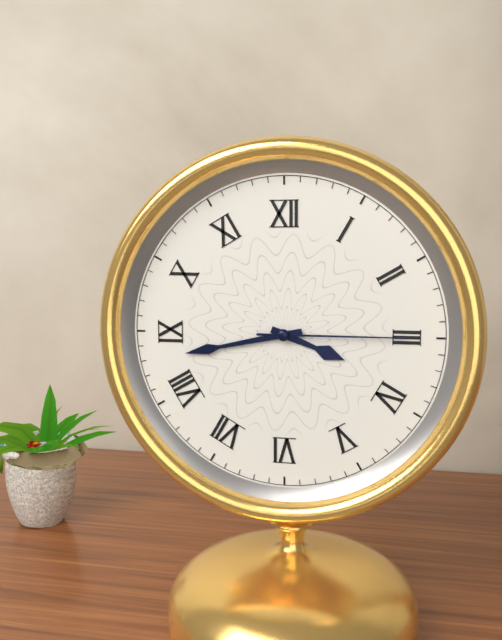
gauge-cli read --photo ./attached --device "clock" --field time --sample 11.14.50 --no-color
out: 3.43.15
